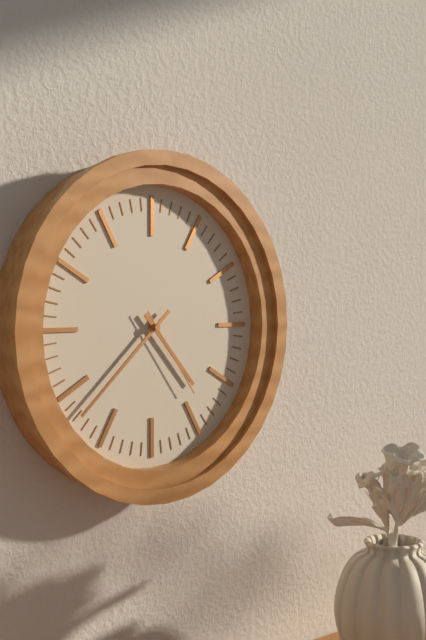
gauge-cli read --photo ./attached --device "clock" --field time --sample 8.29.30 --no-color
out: 4.38.24
